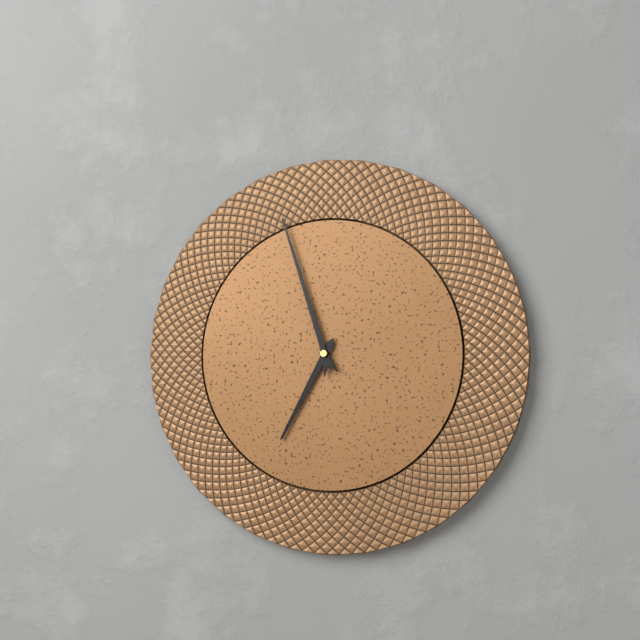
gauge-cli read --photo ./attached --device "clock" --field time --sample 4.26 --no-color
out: 6.57
